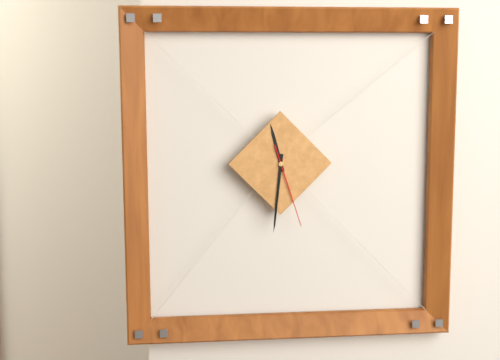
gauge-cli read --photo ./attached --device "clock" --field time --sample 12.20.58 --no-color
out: 11.31.27
